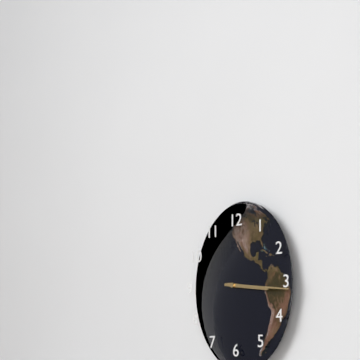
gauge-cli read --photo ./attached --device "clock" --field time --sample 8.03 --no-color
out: 3.16
